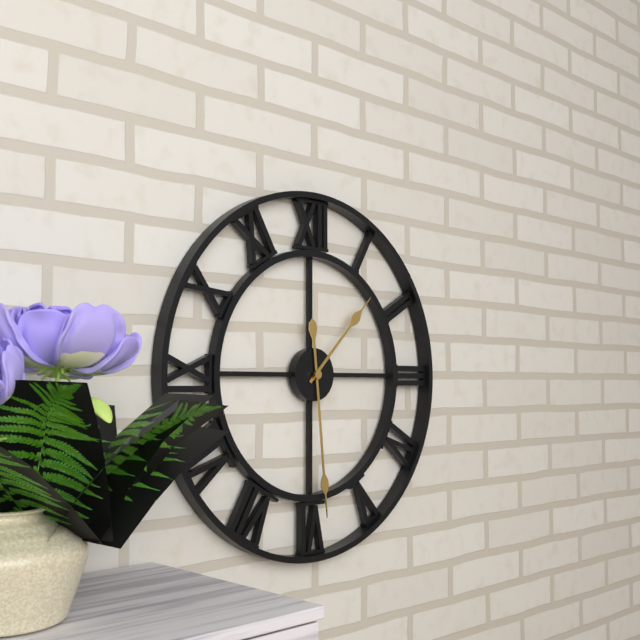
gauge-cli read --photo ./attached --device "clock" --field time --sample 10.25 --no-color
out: 1.29
